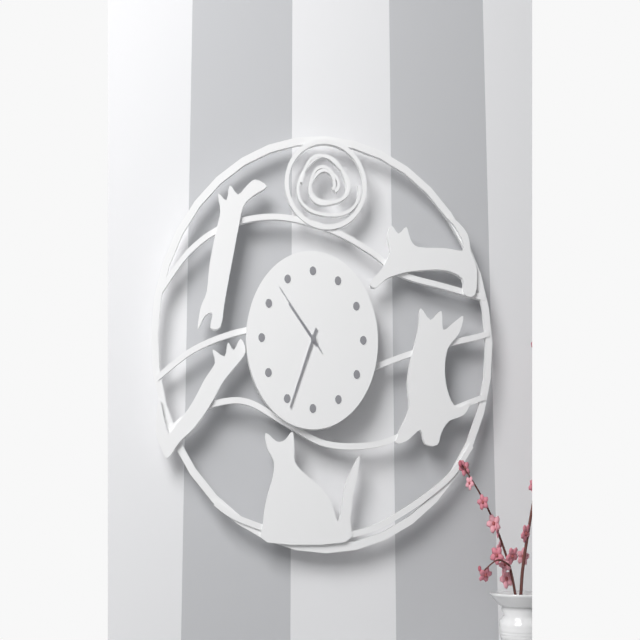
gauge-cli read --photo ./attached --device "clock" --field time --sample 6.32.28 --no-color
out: 10.34.53
